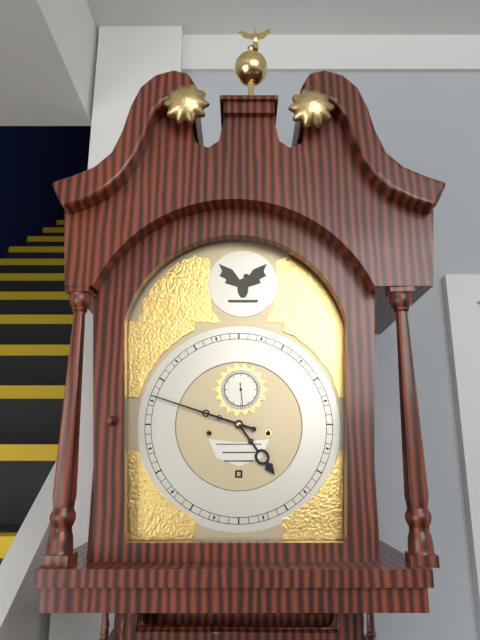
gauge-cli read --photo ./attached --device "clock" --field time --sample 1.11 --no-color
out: 4.48
